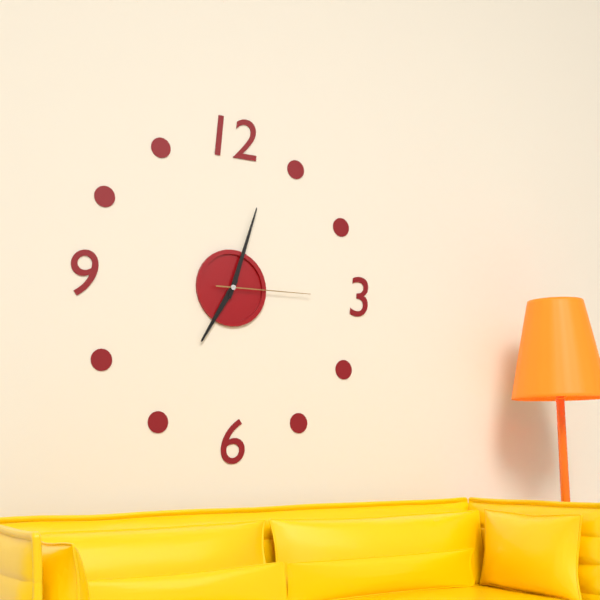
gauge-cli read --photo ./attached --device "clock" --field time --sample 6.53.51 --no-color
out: 7.03.15
